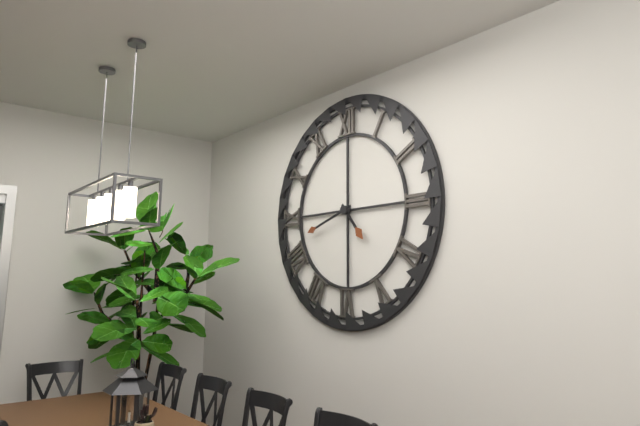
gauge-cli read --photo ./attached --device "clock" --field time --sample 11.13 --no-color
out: 4.42
